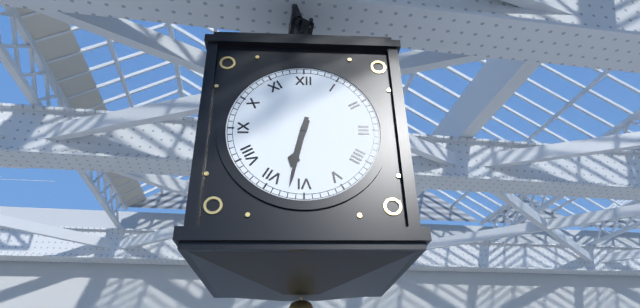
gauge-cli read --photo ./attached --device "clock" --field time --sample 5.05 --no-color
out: 6.32
